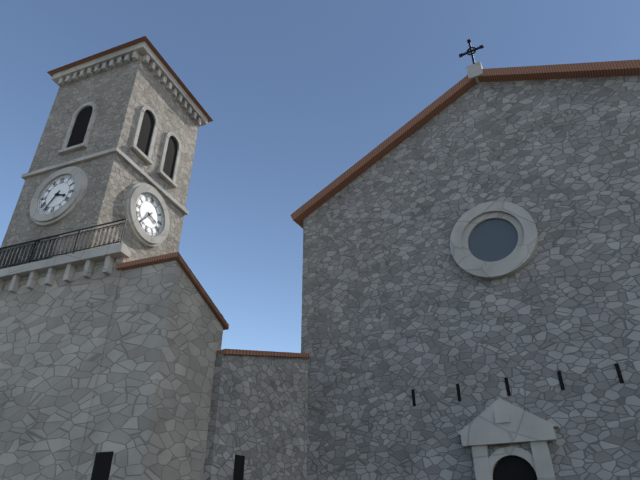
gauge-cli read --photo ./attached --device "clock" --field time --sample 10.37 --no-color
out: 3.36
